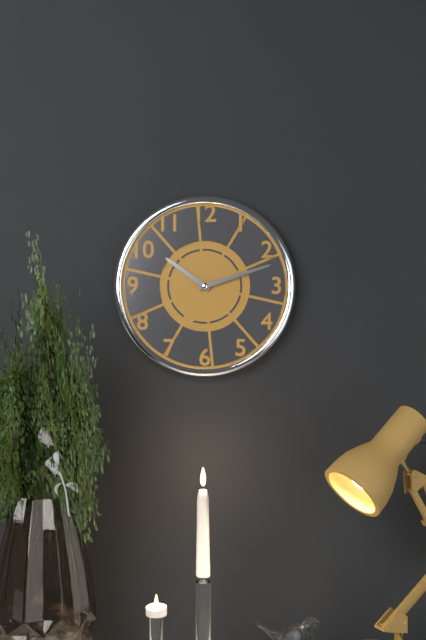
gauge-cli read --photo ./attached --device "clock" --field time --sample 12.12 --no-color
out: 10.12
